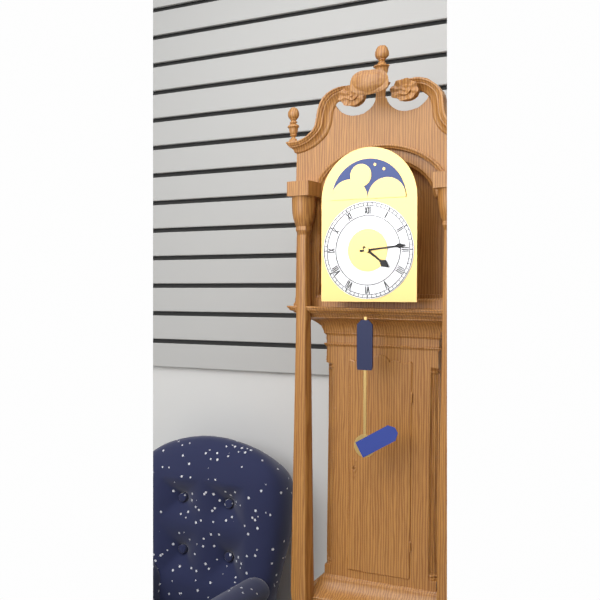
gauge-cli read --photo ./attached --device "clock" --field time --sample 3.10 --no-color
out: 4.14
